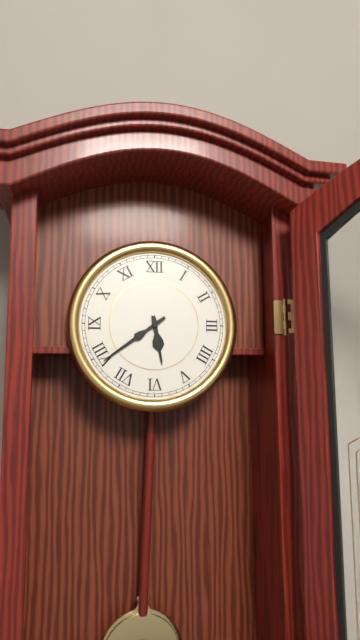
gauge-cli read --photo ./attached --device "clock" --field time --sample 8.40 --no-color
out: 5.39
